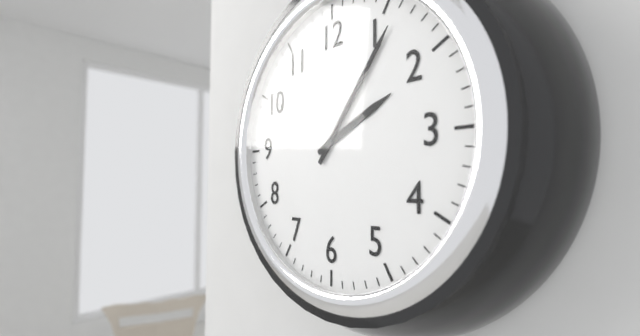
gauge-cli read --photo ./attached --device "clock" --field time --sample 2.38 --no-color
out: 2.06
